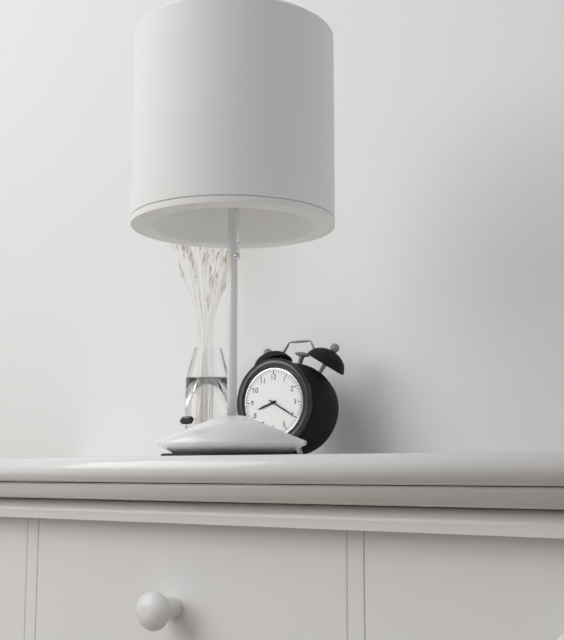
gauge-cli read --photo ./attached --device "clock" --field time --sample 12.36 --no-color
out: 8.20
